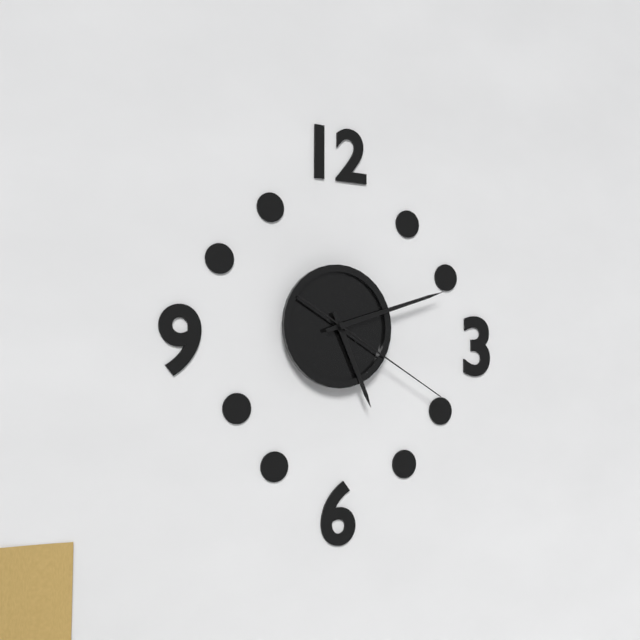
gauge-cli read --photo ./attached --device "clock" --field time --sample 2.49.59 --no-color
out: 5.12.20
